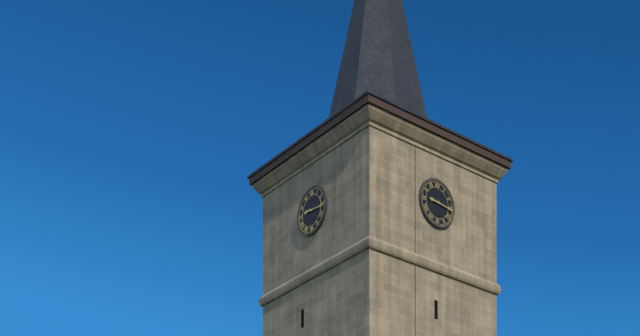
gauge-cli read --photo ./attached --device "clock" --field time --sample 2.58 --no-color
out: 9.16
